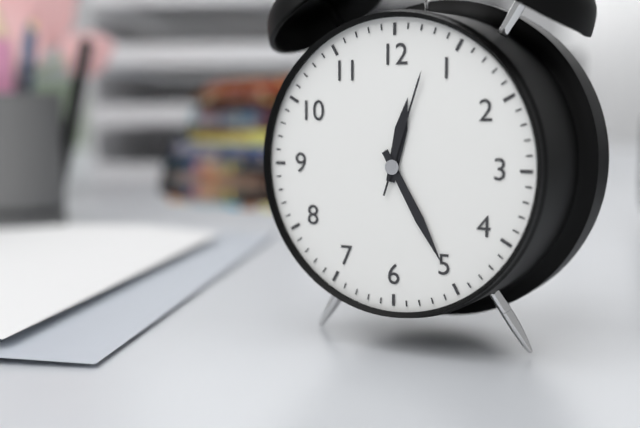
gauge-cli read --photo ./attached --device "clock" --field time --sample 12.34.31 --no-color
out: 12.25.03
